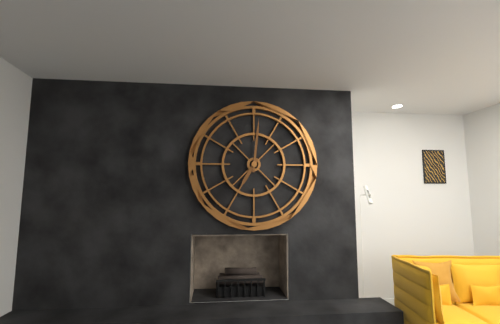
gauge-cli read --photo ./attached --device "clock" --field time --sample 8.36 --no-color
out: 7.01
